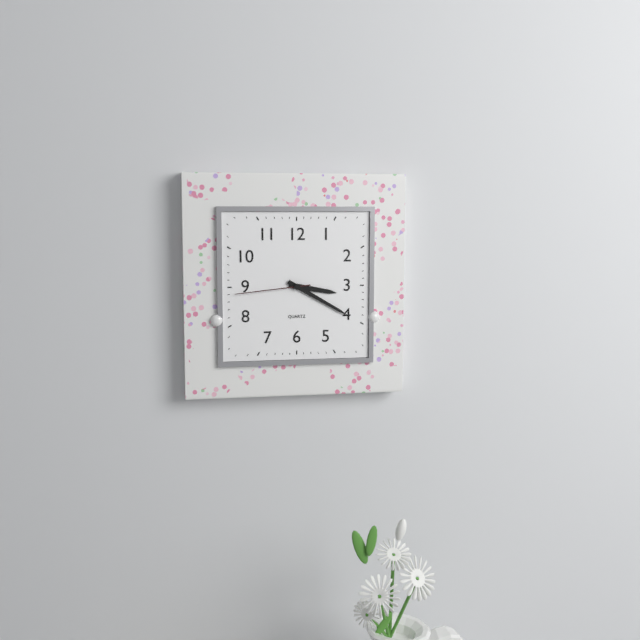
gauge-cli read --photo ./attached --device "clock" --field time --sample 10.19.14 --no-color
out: 3.20.44
